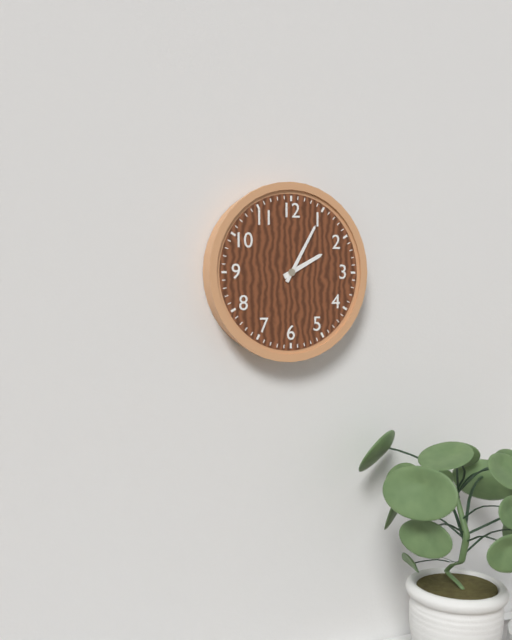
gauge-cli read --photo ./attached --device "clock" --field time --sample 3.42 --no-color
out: 2.05
